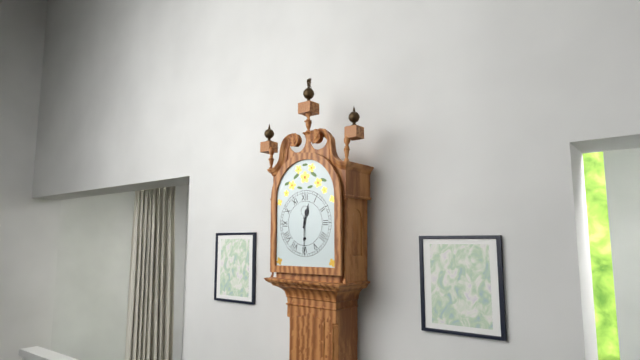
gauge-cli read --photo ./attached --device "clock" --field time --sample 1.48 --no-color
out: 12.30
